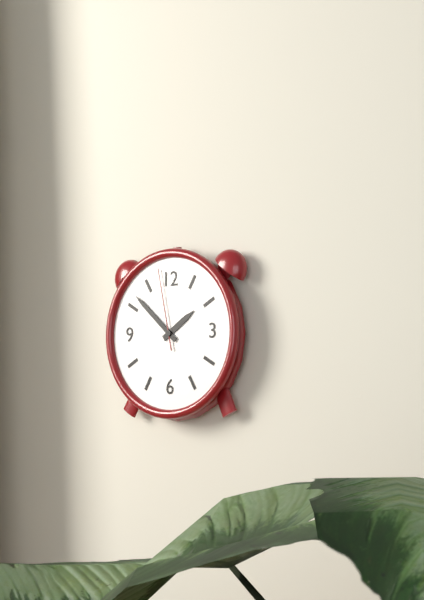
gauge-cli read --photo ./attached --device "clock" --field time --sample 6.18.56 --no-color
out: 1.52.58
